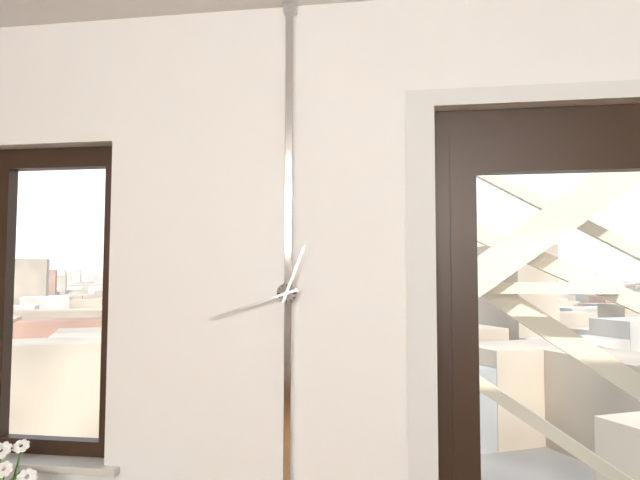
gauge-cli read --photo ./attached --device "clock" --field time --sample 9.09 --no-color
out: 12.42
